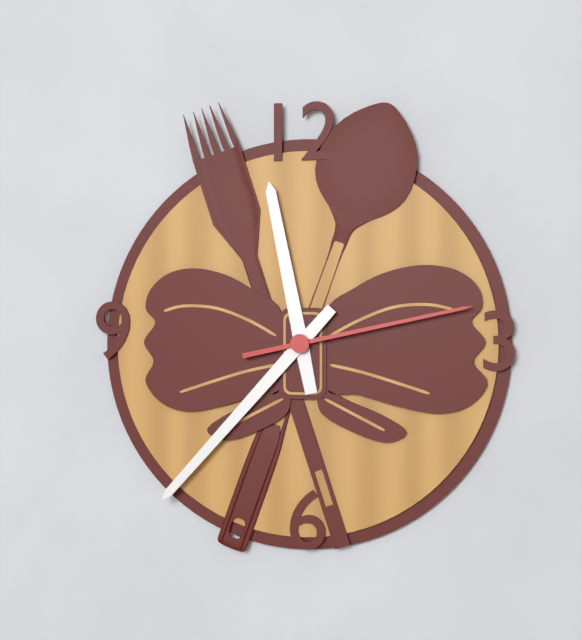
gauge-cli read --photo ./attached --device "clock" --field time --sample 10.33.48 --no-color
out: 11.37.13
